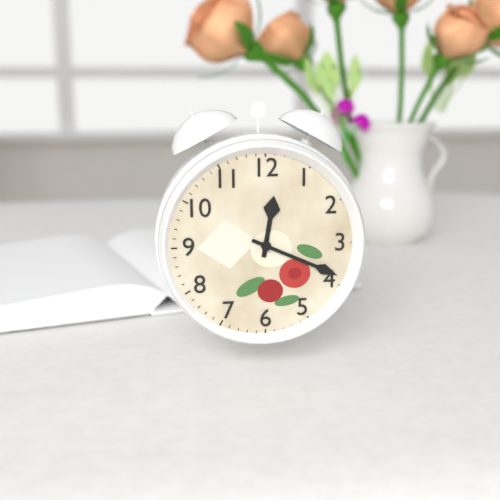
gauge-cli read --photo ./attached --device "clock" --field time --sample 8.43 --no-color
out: 12.19
